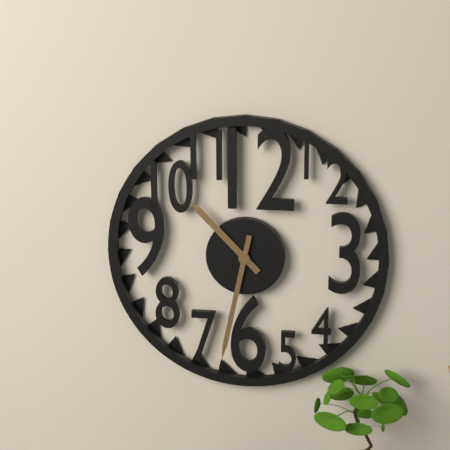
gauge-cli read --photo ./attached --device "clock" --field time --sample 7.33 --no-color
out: 10.32
